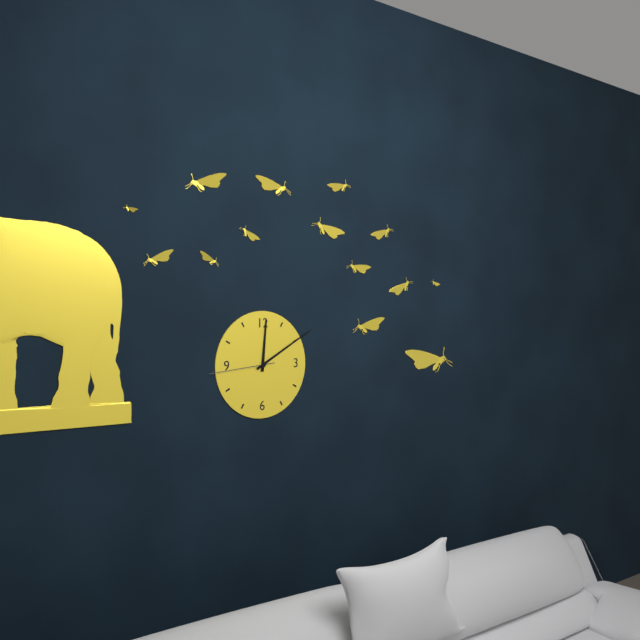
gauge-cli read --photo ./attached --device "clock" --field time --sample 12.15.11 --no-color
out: 12.10.44
